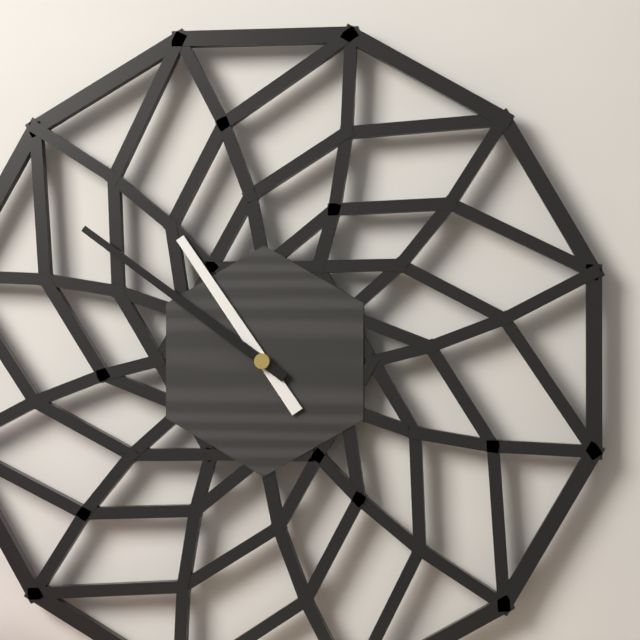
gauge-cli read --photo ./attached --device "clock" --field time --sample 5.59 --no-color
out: 10.51
